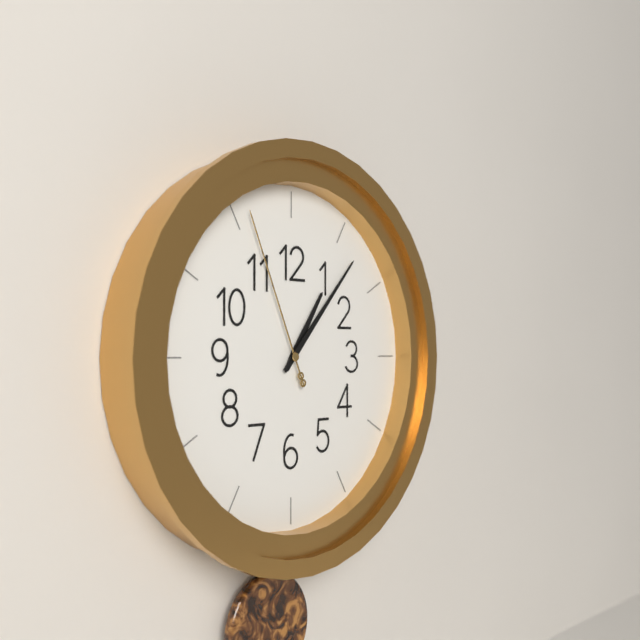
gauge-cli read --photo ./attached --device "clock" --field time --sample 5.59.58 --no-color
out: 1.07.56
